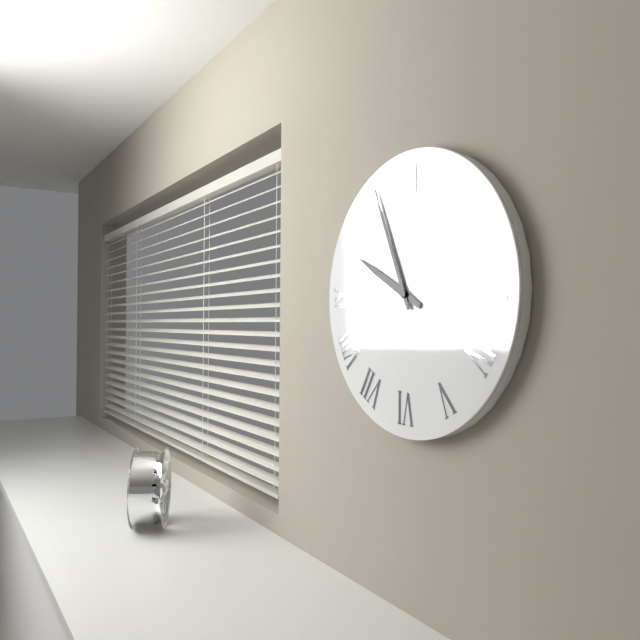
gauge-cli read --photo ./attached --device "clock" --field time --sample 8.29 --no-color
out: 9.56
